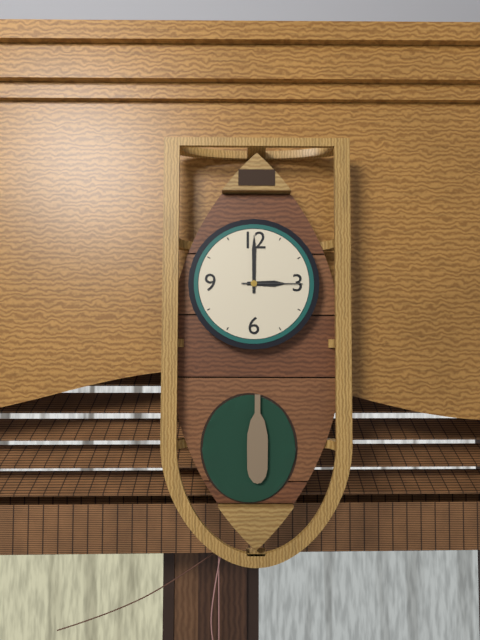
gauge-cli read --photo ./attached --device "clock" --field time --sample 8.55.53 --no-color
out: 3.00.15
